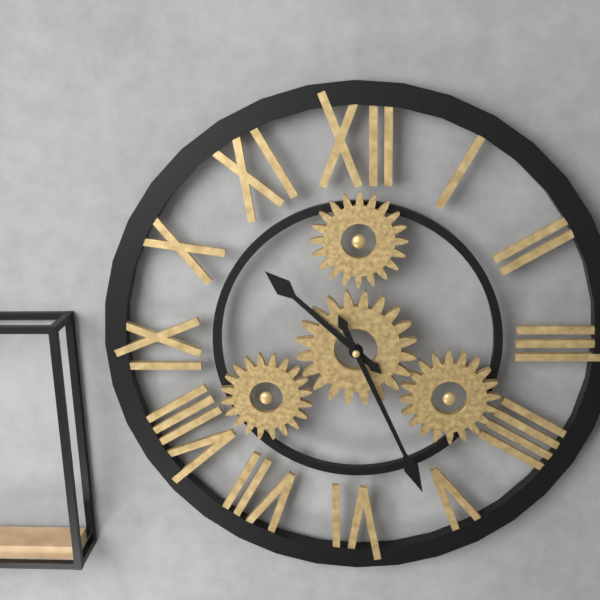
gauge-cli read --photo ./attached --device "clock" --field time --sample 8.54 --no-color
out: 10.26
